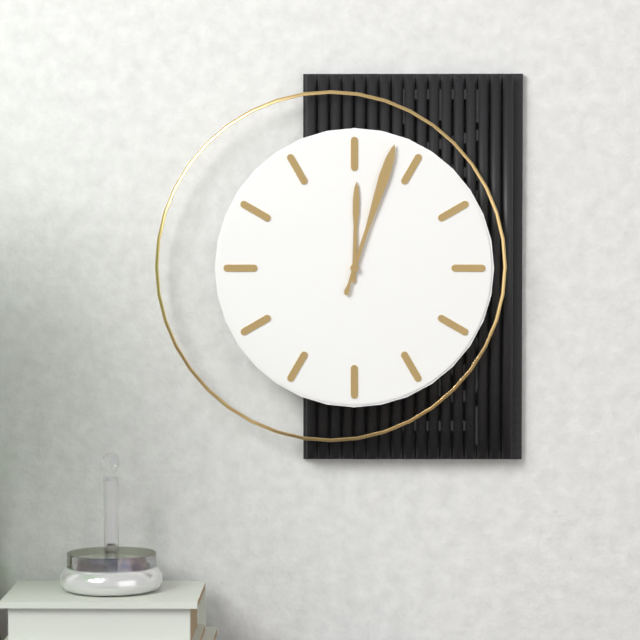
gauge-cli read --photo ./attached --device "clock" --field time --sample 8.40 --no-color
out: 12.03
